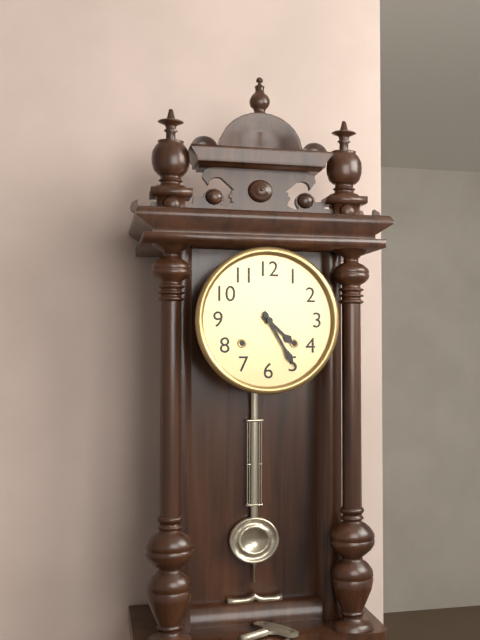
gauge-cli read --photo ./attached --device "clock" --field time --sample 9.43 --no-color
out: 4.25
